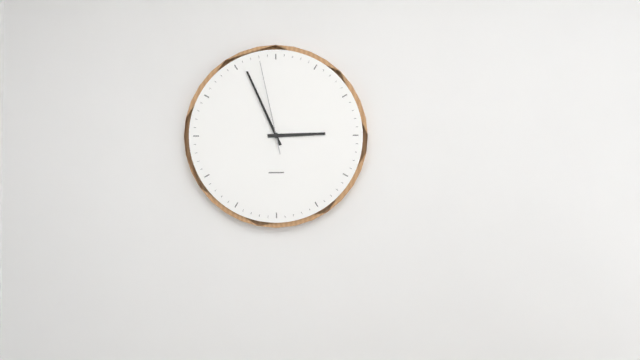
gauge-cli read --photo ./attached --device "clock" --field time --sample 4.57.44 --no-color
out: 2.56.58
